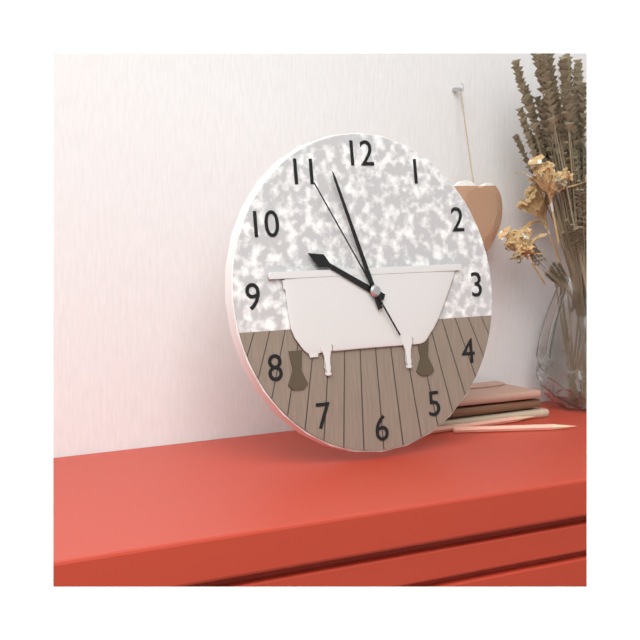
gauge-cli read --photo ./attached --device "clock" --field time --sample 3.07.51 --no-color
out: 9.57.55
